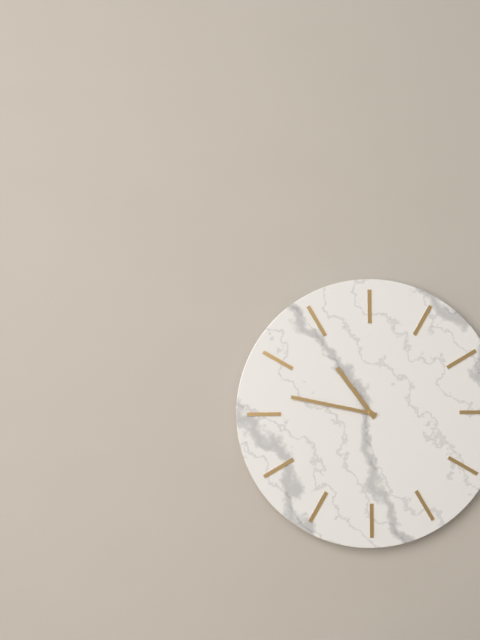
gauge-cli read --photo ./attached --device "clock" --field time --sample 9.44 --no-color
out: 10.47
